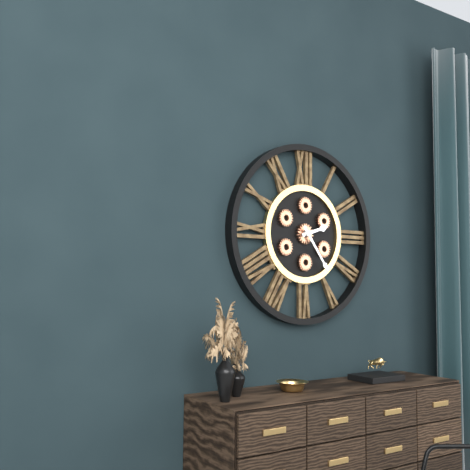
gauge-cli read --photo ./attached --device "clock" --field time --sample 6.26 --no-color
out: 2.24
